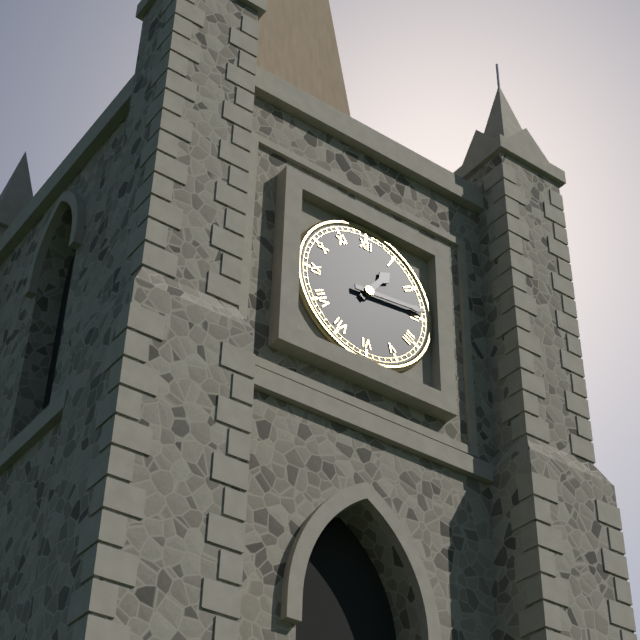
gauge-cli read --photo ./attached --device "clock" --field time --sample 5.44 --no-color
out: 1.14
